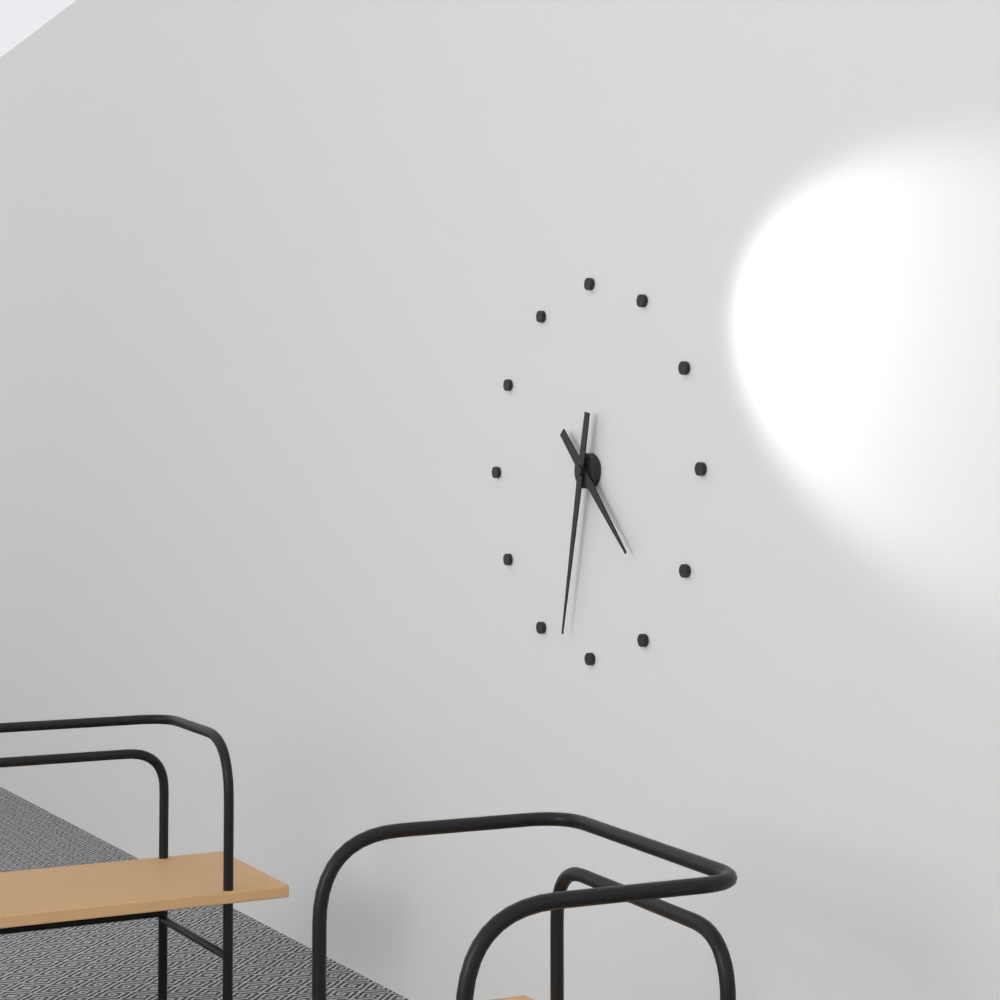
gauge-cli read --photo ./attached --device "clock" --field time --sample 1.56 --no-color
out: 4.32
